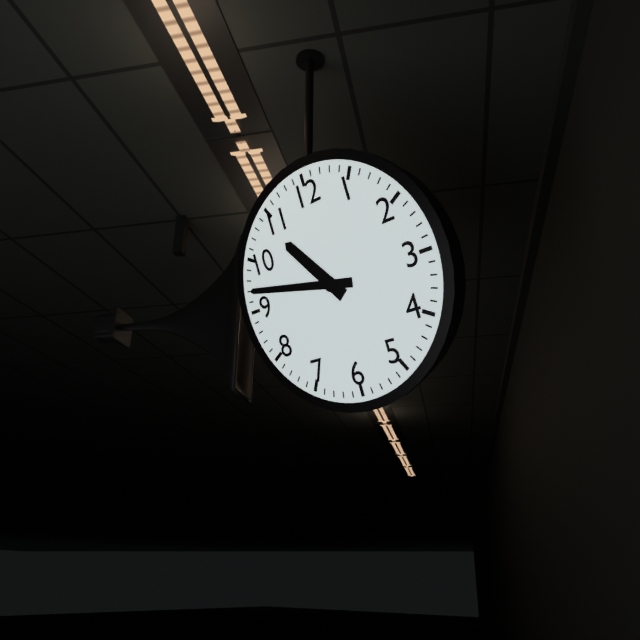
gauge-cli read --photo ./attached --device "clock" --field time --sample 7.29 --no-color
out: 10.47
